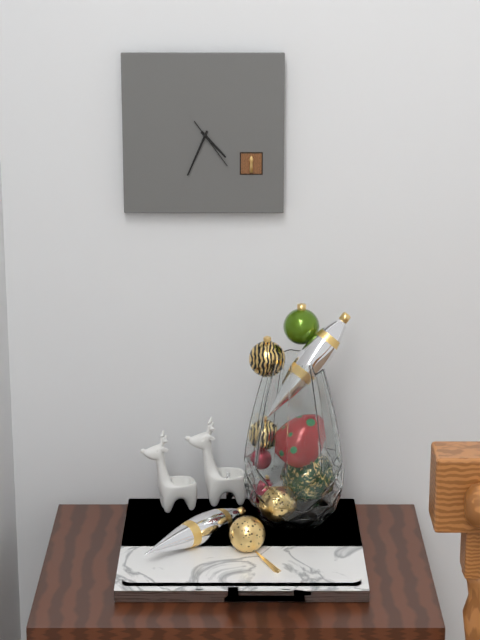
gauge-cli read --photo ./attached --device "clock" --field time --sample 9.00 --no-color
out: 4.34
